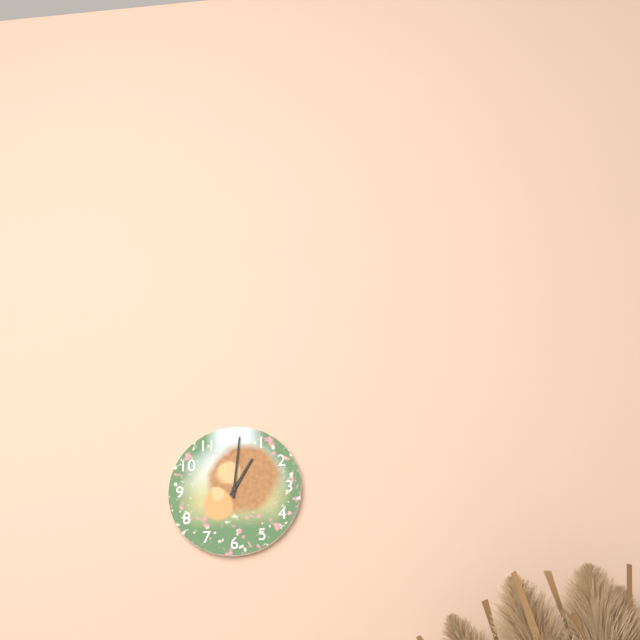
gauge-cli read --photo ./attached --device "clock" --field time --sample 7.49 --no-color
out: 1.01
